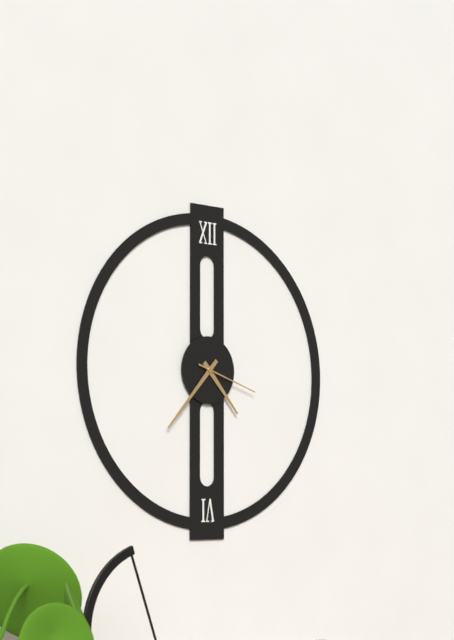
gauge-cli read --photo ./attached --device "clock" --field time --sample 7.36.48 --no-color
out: 4.37.18
